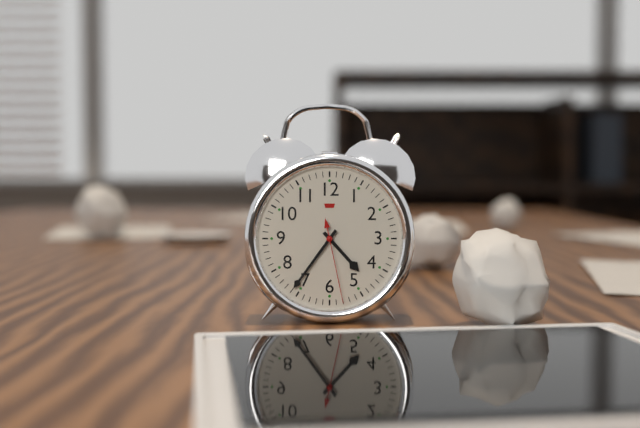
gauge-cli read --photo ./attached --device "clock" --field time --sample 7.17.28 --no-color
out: 4.36.28
